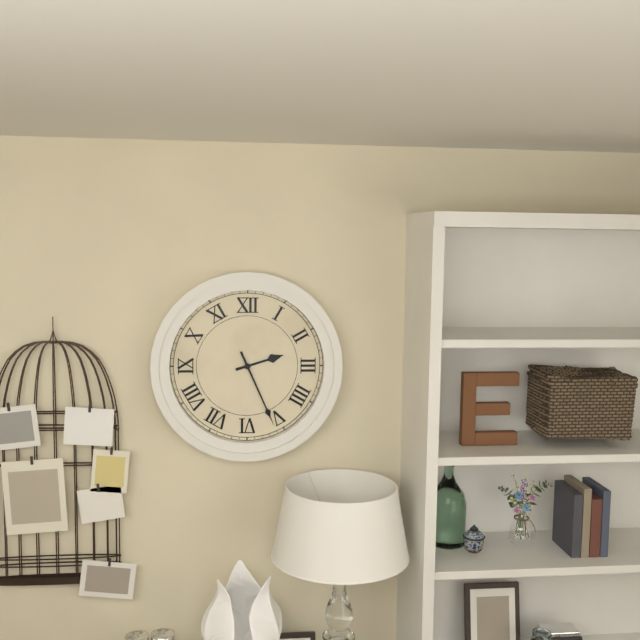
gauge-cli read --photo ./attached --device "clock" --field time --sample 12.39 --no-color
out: 2.26
